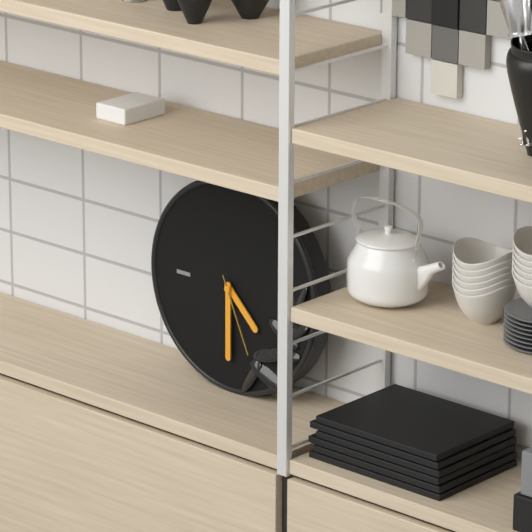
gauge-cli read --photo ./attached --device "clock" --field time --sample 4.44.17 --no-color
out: 4.30.26
